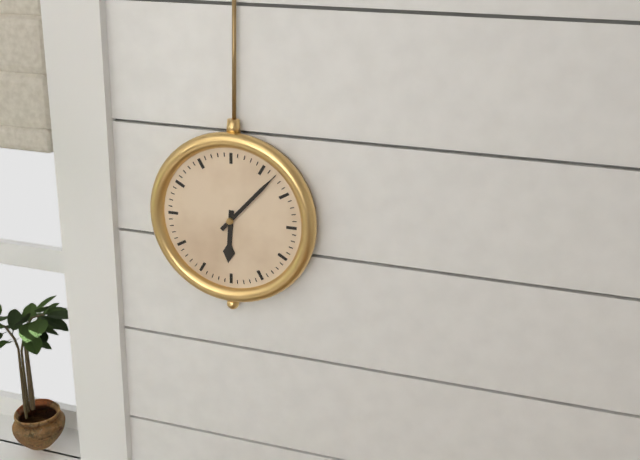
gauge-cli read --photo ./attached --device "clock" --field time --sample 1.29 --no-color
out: 6.07
